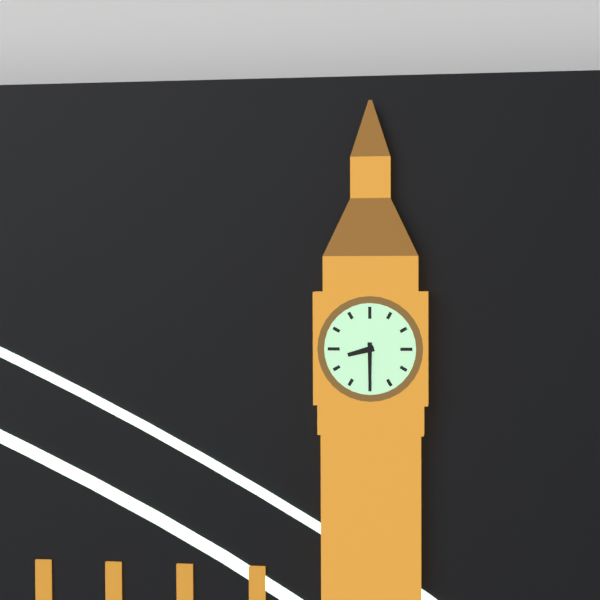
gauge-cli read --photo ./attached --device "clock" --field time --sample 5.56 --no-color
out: 8.30
